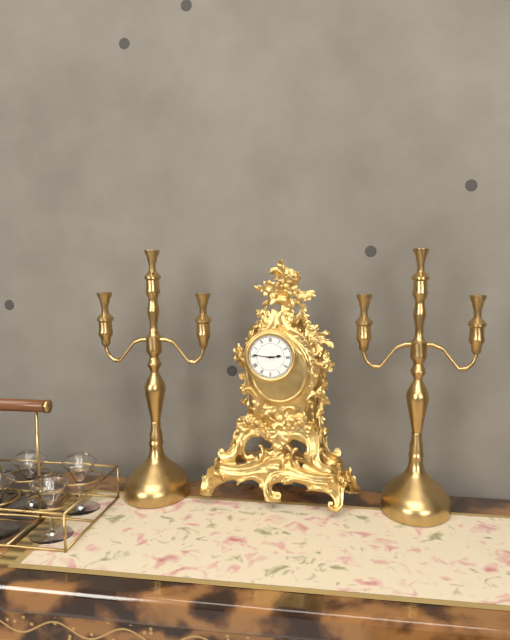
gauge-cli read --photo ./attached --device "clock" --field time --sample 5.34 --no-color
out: 2.46
